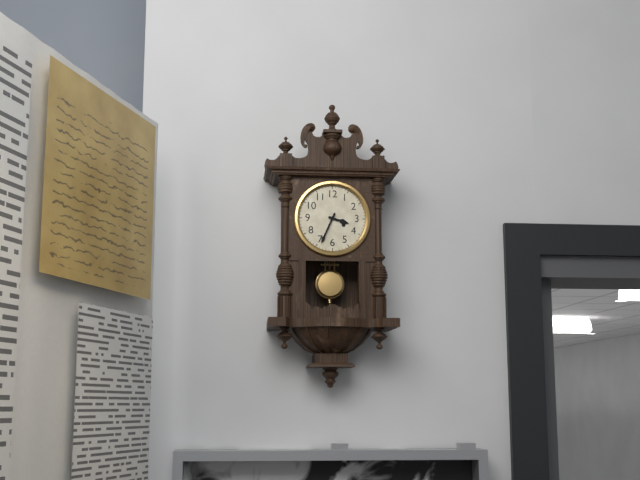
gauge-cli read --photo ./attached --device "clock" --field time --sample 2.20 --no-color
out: 3.34
